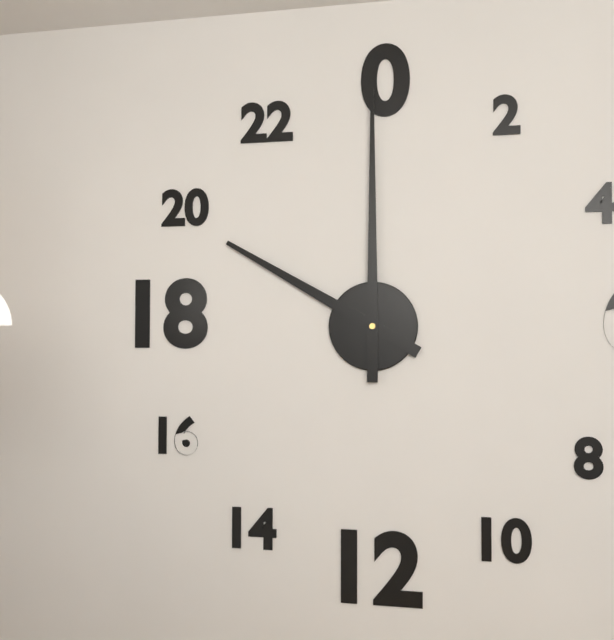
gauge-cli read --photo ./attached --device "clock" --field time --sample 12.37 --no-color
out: 10.00
